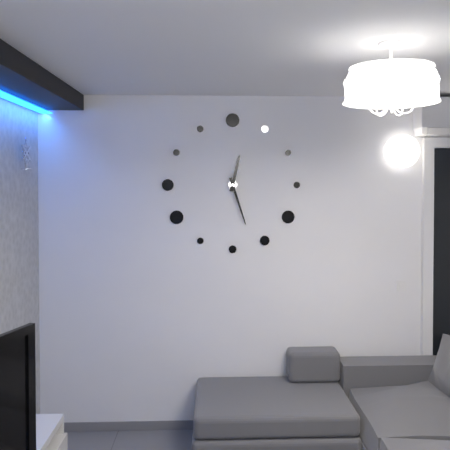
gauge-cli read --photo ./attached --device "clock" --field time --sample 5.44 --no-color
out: 12.27
